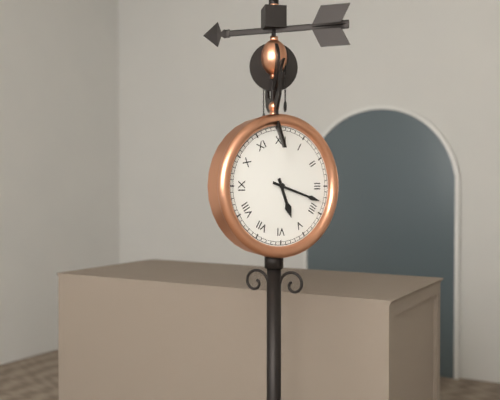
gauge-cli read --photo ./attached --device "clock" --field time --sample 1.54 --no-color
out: 5.18
